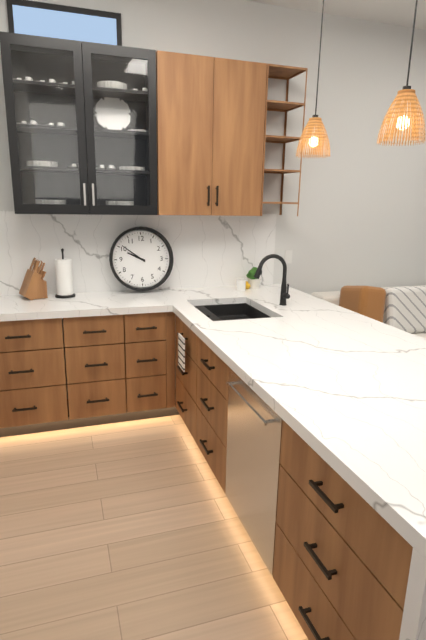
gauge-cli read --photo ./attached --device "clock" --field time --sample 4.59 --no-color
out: 9.51
